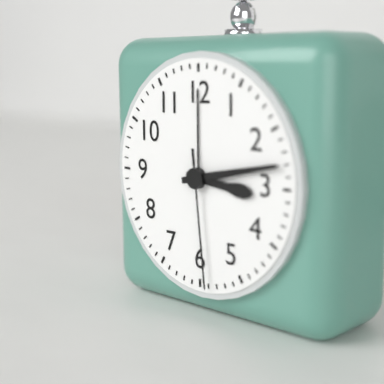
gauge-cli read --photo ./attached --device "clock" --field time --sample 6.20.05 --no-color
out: 3.13.29
